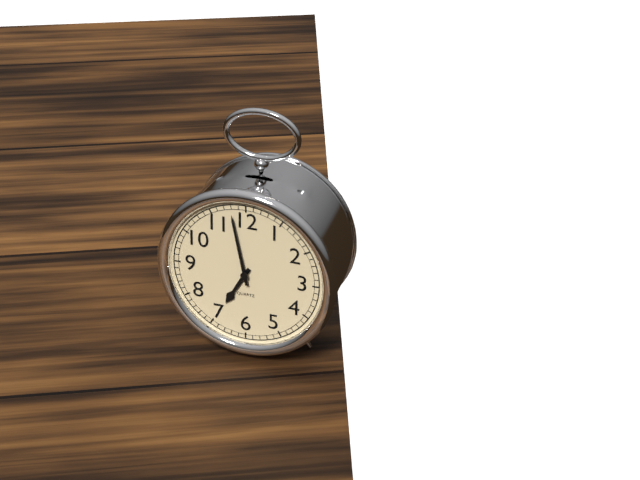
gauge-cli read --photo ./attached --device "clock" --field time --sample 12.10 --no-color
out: 6.58
